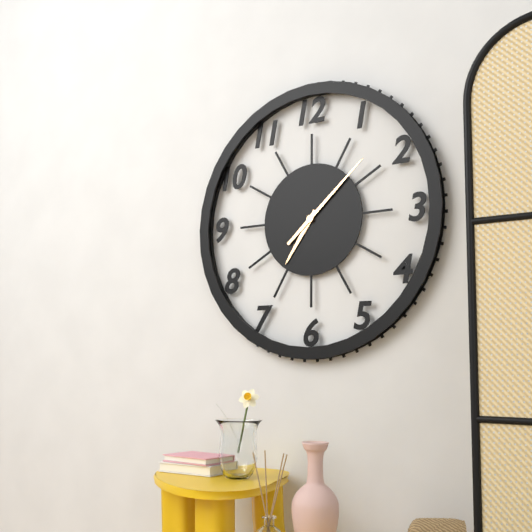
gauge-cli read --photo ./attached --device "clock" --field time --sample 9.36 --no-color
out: 7.08
